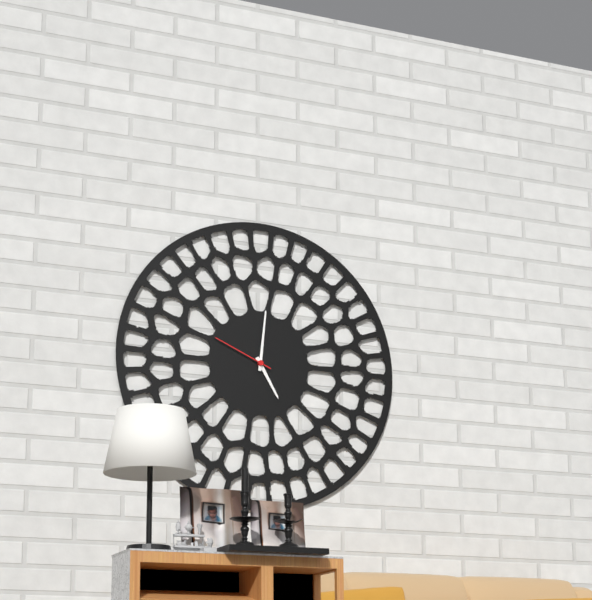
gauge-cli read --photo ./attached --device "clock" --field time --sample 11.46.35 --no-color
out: 5.01.49
